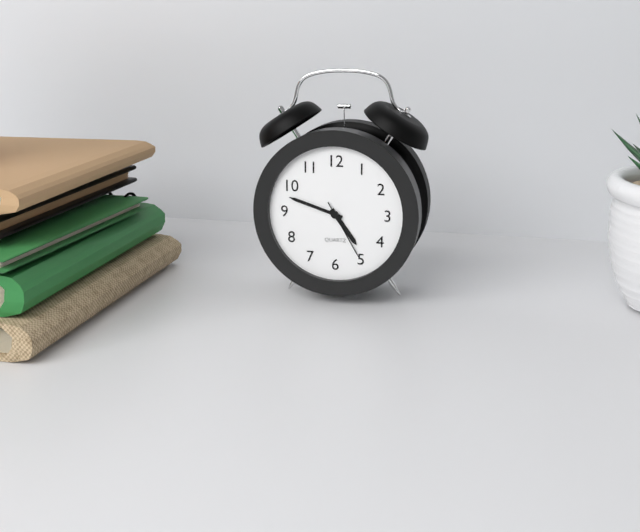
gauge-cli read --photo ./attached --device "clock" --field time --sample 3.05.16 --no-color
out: 4.48.25
